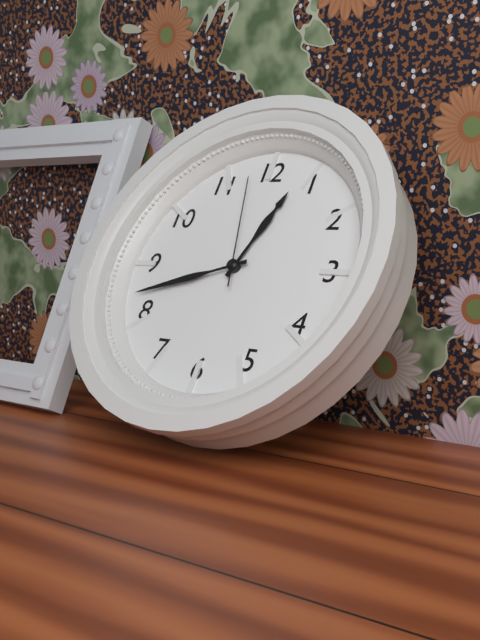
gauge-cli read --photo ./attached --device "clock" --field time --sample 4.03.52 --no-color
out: 12.42.58
